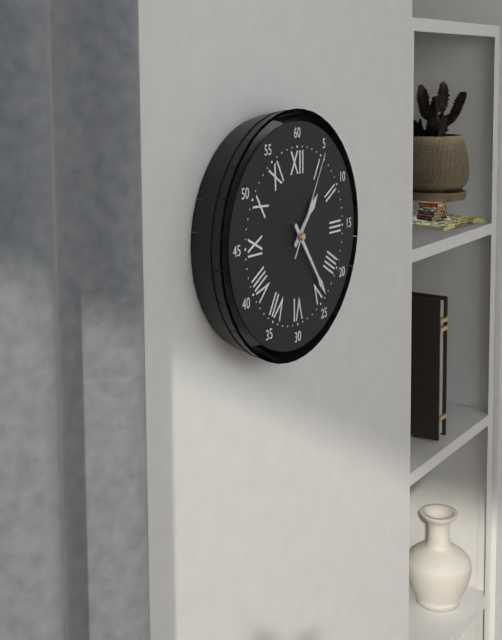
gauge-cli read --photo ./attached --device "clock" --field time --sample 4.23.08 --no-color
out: 1.24.05
